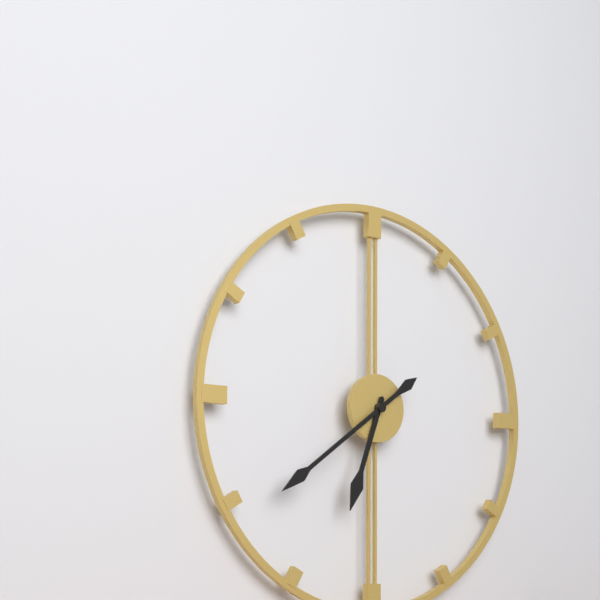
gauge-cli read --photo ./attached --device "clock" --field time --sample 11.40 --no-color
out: 6.39
